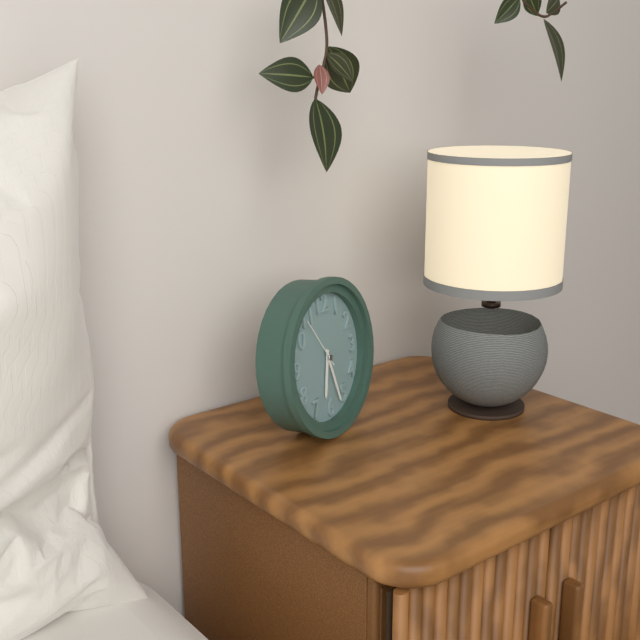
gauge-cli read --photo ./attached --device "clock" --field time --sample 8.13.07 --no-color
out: 6.27.54
